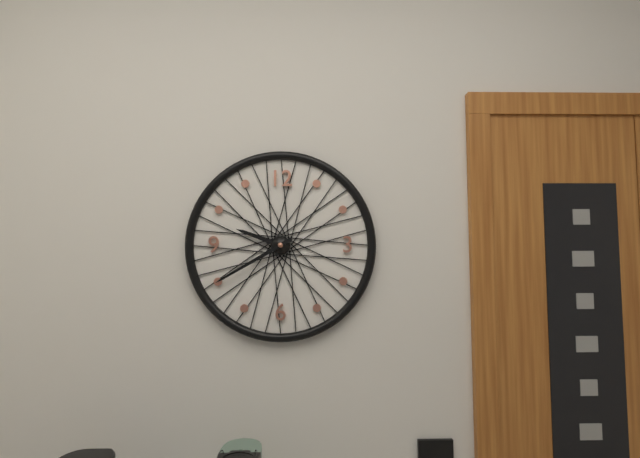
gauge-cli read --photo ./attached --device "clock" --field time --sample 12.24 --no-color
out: 9.40
